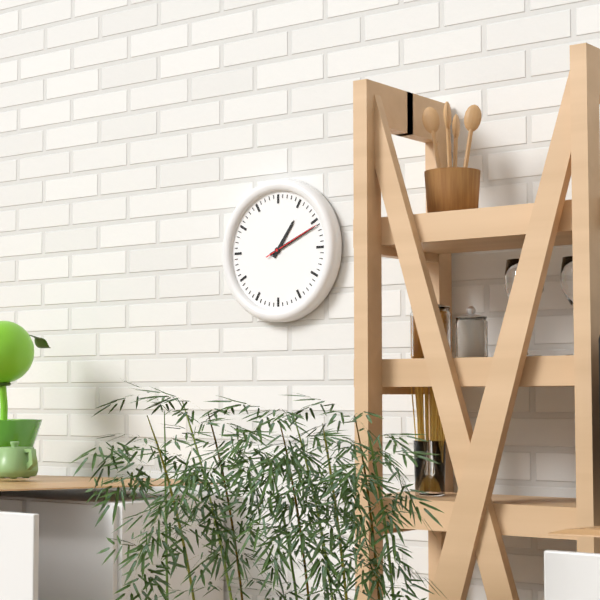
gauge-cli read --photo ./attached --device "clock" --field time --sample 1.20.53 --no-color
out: 1.11.11
